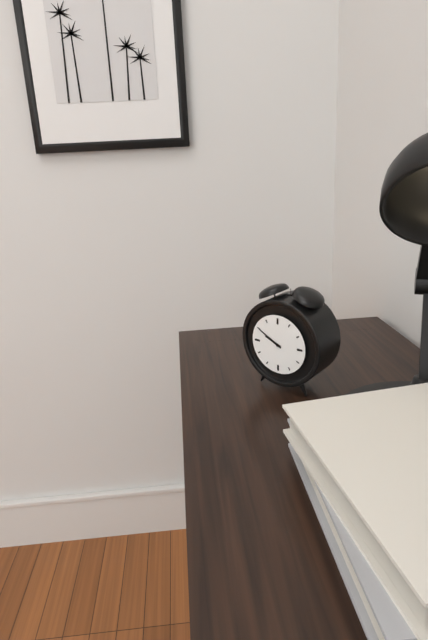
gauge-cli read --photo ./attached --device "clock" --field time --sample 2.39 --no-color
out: 9.50
